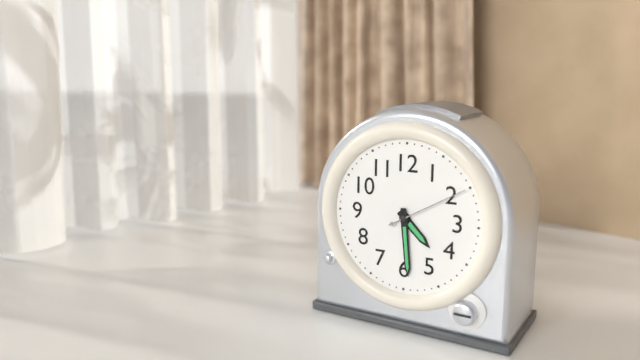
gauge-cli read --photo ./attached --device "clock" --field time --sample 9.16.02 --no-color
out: 4.29.10
